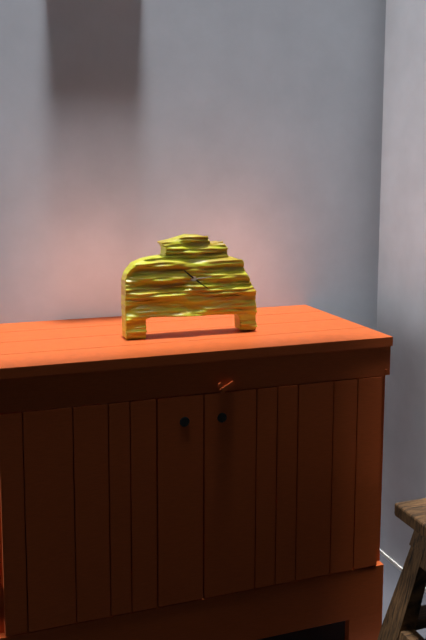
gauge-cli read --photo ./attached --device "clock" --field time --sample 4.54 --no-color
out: 10.21
